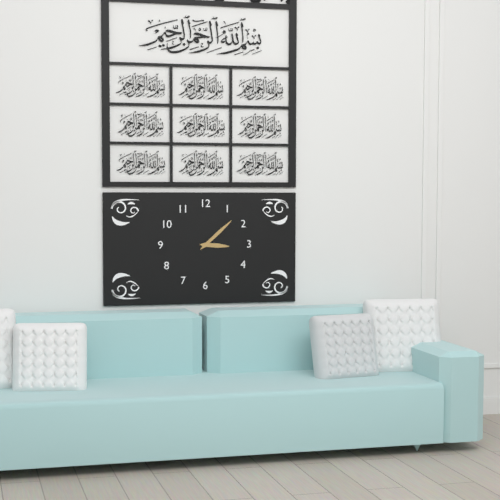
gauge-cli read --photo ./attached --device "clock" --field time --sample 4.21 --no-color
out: 3.08
